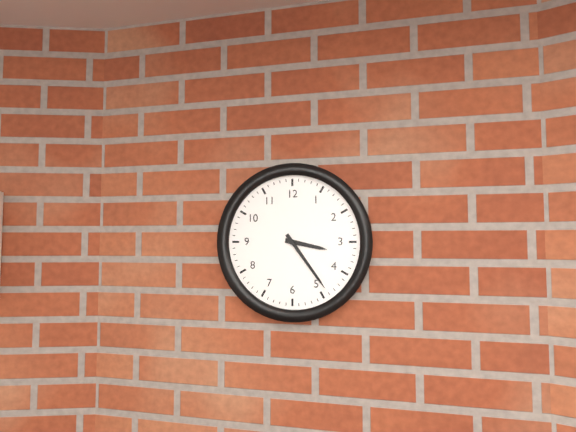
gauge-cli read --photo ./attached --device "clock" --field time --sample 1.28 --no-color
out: 3.24
